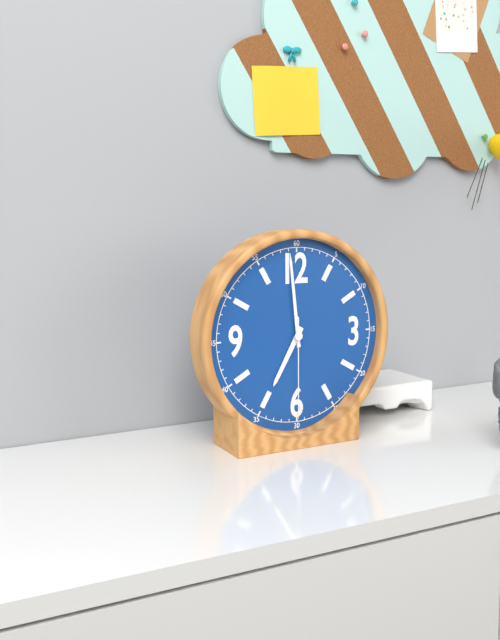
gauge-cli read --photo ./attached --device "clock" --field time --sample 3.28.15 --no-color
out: 6.59.30
